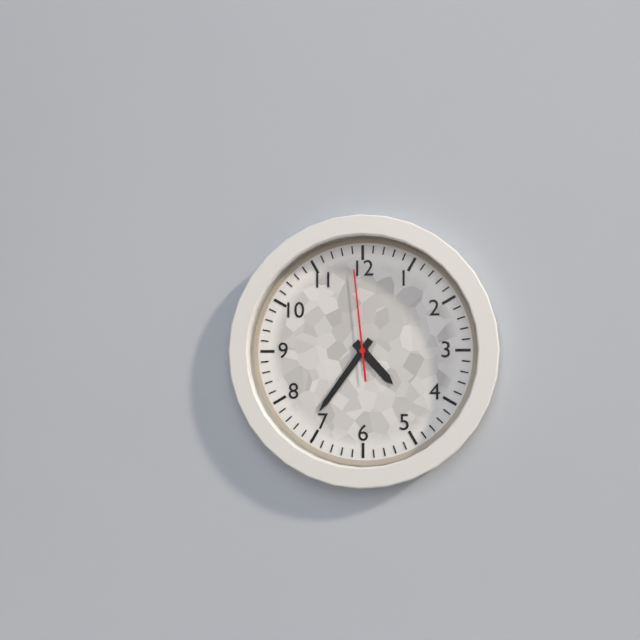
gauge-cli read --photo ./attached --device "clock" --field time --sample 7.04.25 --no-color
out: 4.36.59
